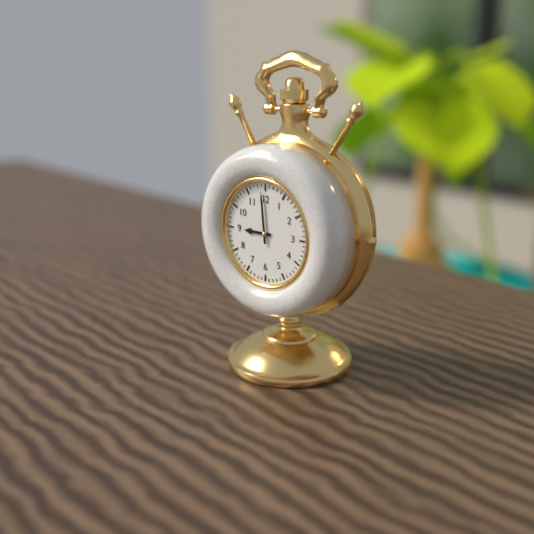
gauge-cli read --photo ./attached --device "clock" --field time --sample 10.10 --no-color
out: 8.59
